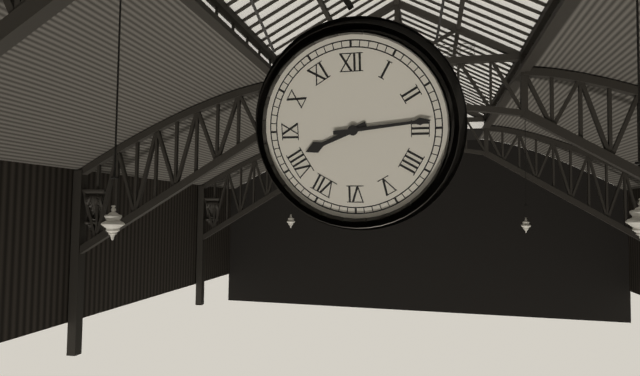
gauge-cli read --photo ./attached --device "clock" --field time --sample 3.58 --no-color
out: 8.14
